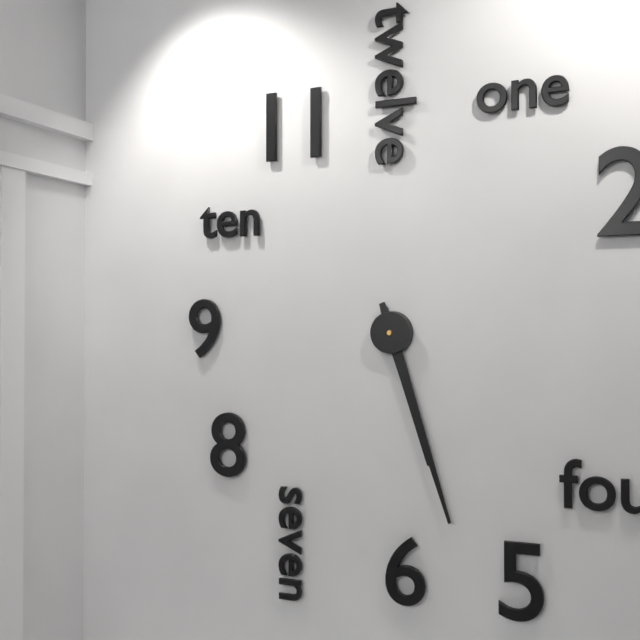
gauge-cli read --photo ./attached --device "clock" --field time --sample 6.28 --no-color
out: 5.27
